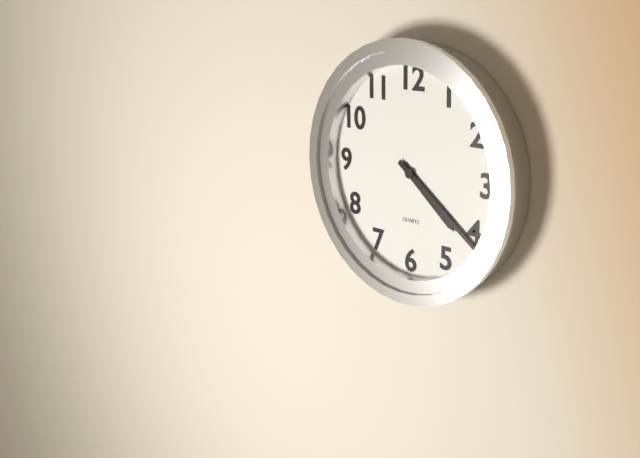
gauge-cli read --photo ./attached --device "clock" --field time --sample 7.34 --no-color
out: 4.21
